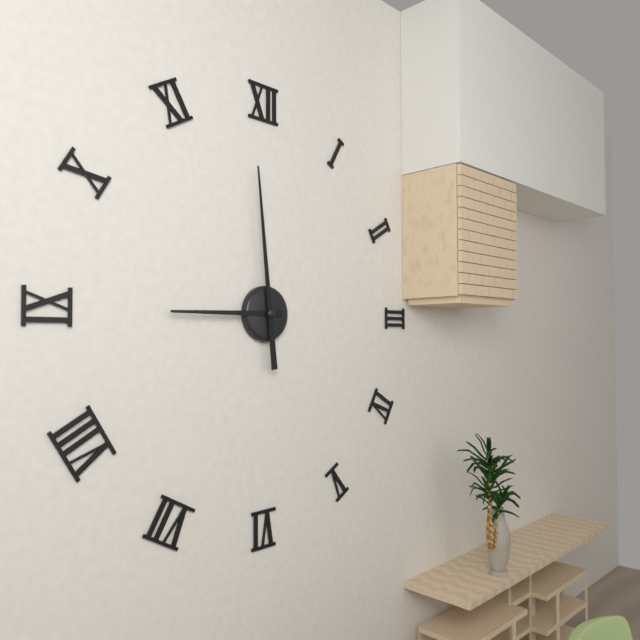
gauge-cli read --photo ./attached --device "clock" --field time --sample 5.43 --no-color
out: 8.59
